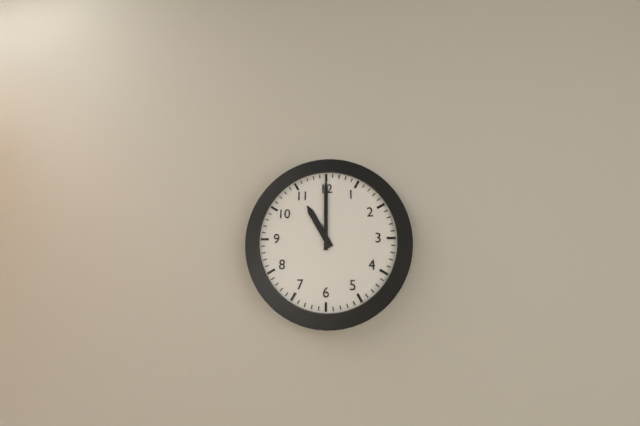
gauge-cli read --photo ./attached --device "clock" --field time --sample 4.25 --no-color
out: 11.00
